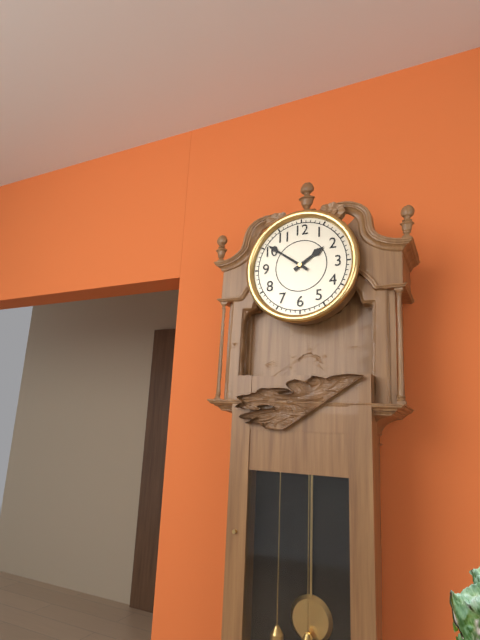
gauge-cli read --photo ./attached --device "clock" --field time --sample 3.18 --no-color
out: 1.51
